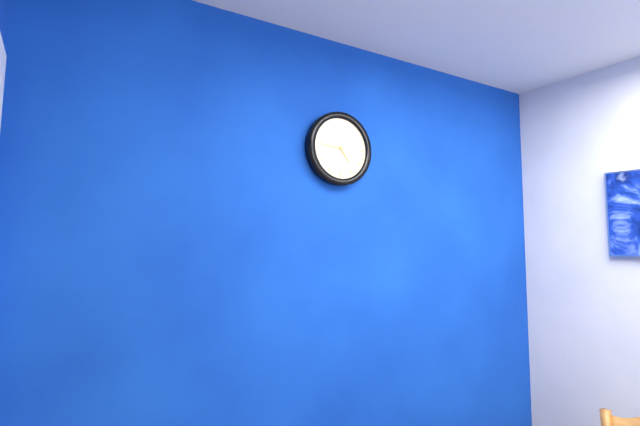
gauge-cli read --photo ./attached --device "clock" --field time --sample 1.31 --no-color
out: 4.46
